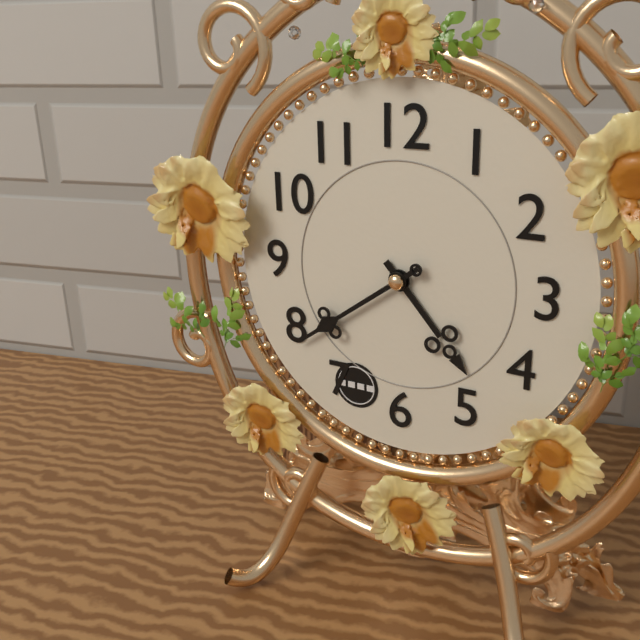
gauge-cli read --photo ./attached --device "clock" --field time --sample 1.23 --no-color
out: 4.39
